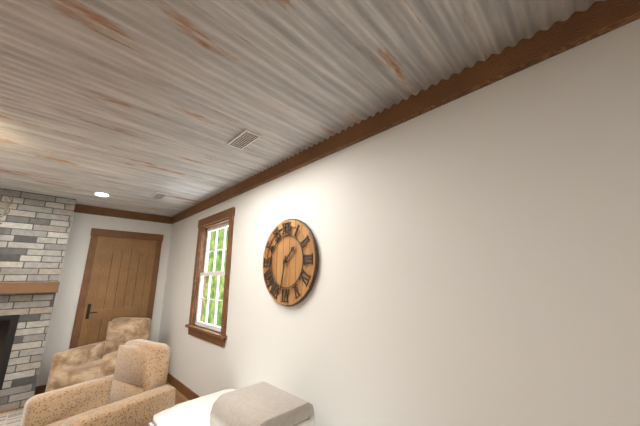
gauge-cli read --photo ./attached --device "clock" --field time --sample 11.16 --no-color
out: 1.32
